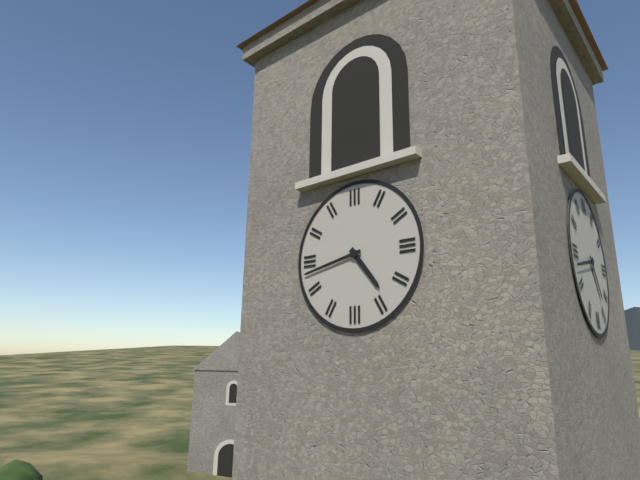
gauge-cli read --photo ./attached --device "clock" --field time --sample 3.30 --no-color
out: 4.43
